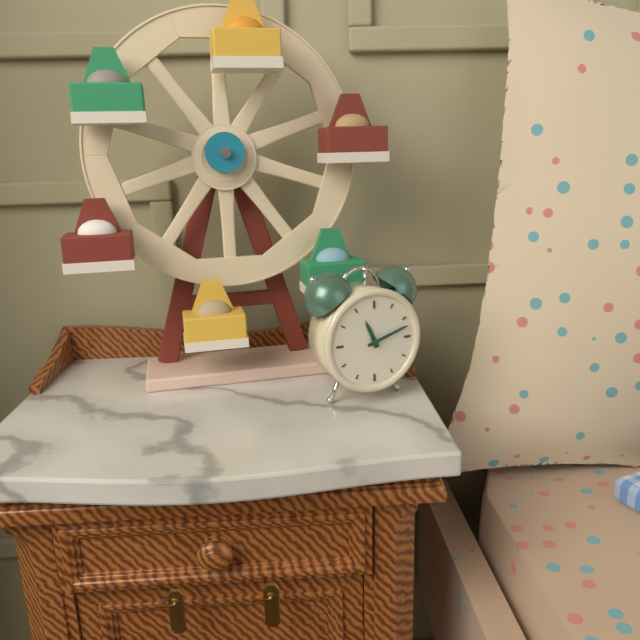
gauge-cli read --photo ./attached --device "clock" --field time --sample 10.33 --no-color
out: 11.12
